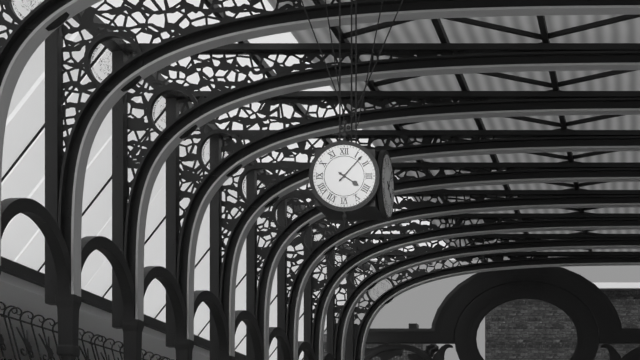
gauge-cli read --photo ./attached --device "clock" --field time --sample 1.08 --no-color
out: 4.07
